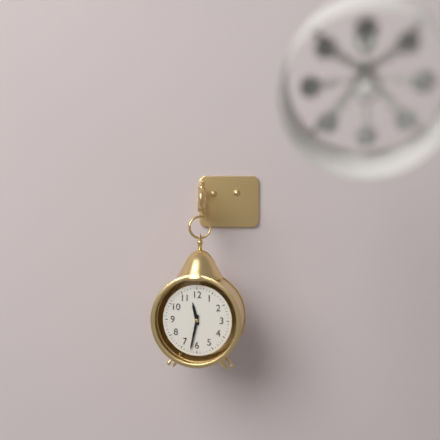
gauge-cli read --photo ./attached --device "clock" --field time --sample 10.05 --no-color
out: 11.32
